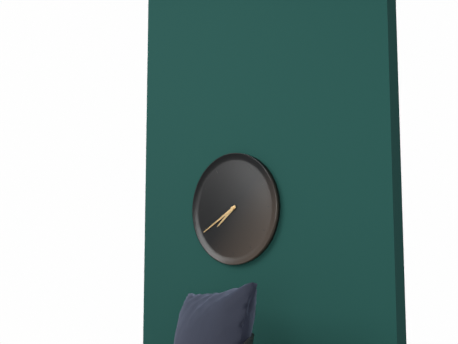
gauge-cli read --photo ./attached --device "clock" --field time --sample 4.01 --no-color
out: 7.40
